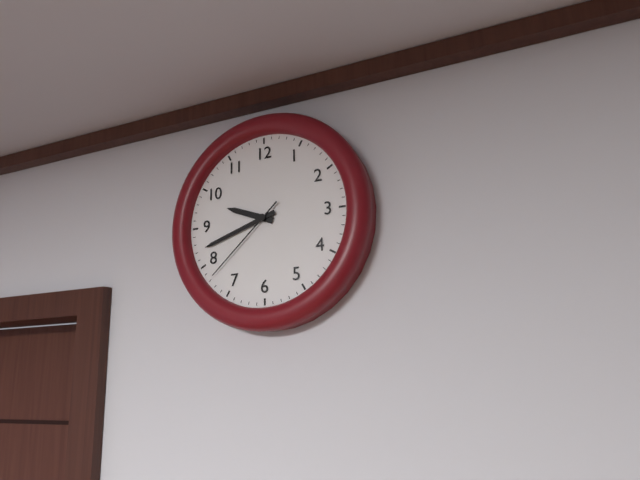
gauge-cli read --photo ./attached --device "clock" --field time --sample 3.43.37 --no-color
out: 9.42.38
